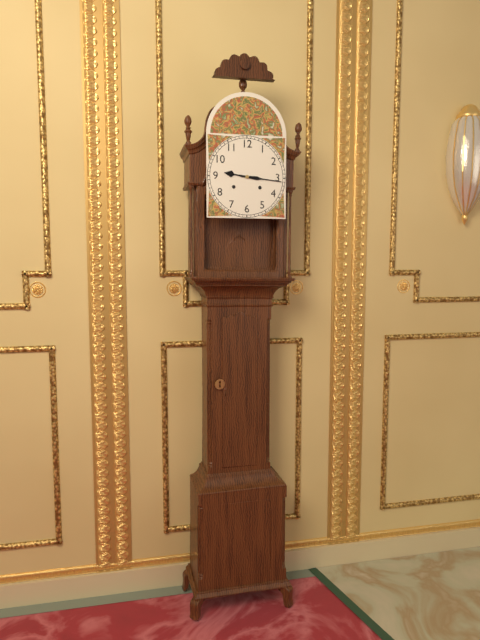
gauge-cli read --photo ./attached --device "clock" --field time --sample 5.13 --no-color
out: 9.16
